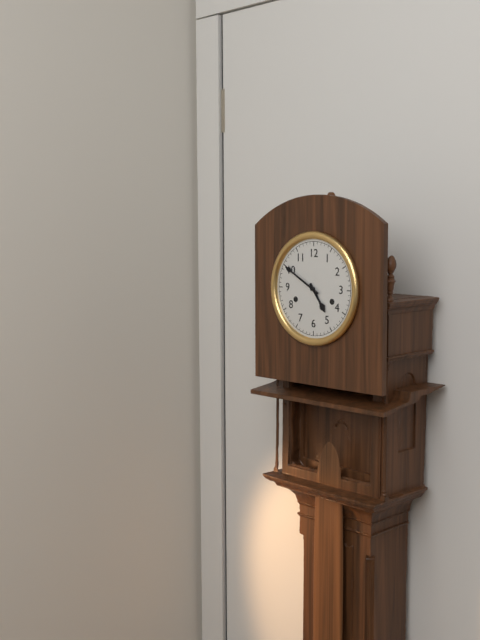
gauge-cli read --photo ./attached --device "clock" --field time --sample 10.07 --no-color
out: 4.50
